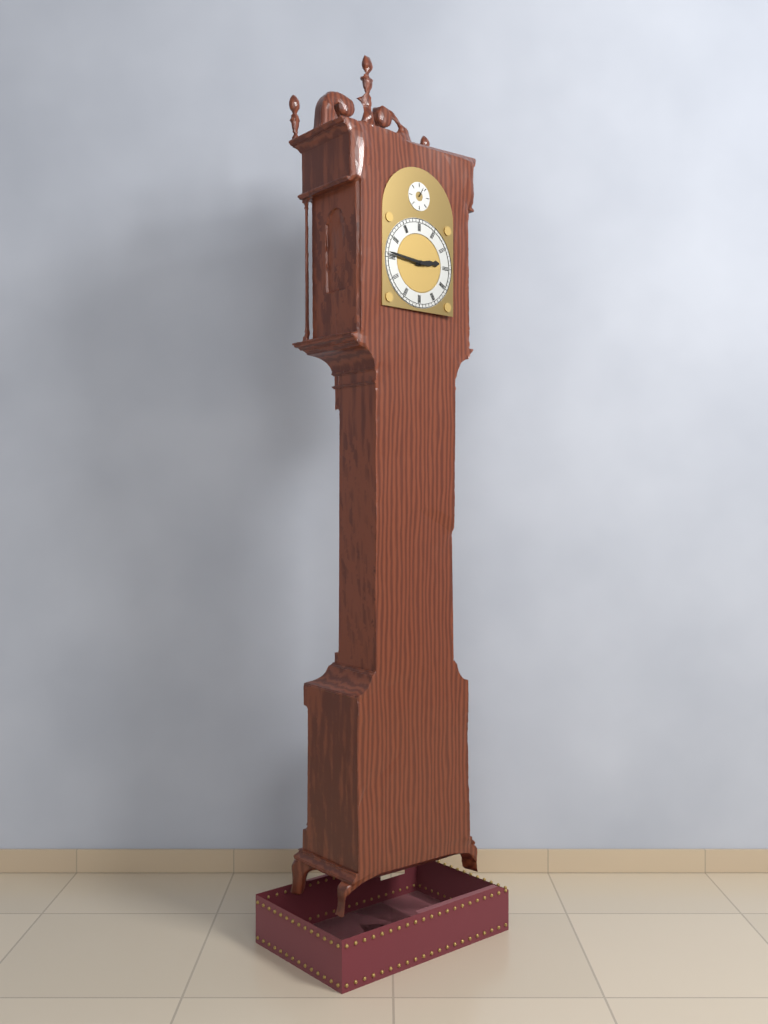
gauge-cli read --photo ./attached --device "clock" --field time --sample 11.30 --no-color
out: 2.46
